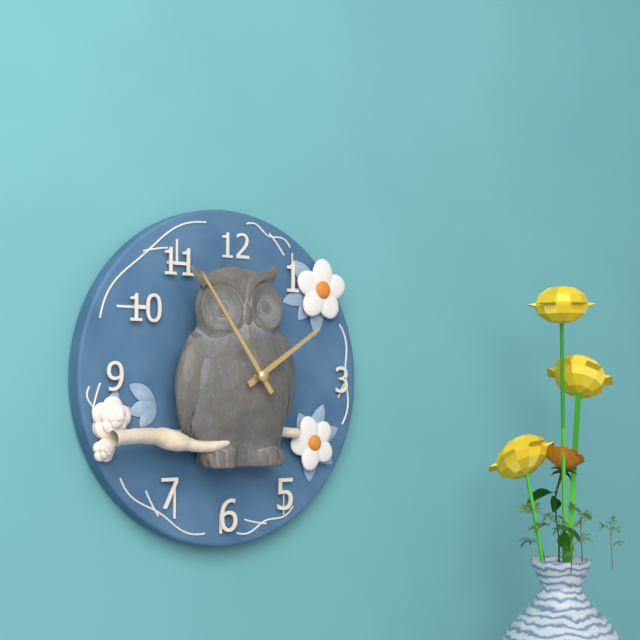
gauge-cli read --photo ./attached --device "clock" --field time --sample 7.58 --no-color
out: 1.54
